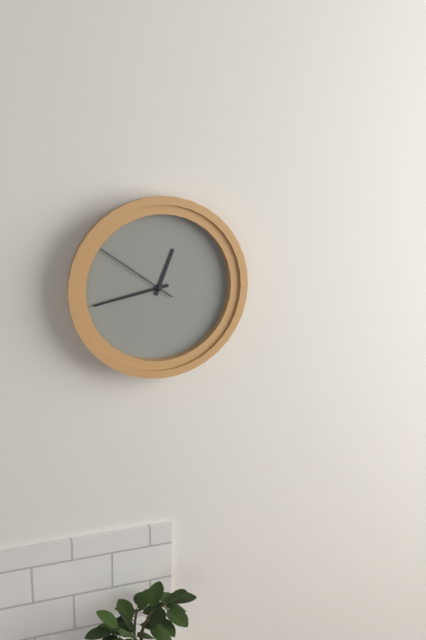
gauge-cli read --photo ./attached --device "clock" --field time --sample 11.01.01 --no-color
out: 12.43.51
